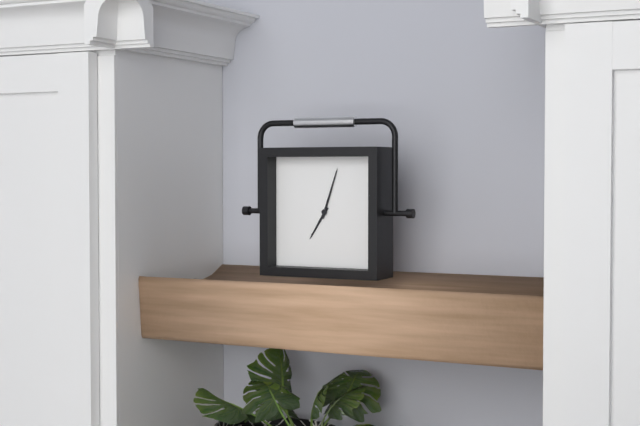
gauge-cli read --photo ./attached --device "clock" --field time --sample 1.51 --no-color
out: 7.03
